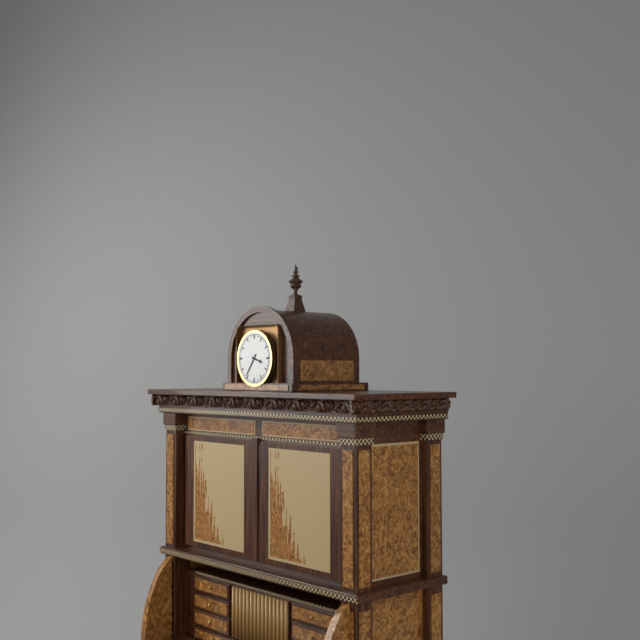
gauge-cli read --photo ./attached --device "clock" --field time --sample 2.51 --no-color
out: 3.36
